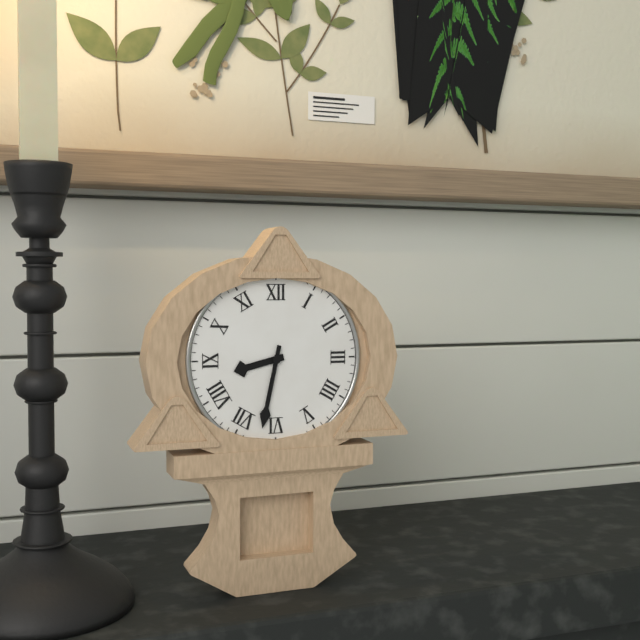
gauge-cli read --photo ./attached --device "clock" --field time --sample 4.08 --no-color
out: 8.32
